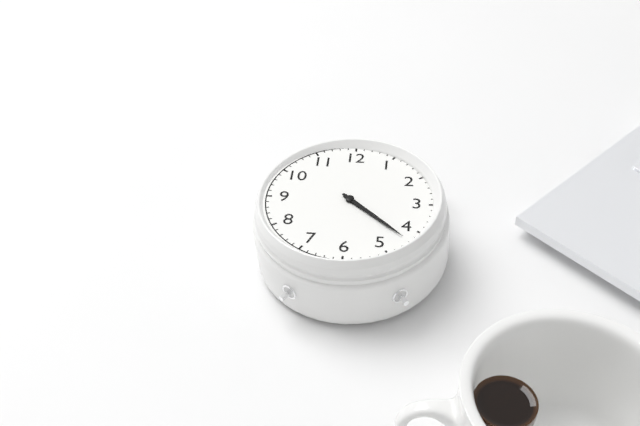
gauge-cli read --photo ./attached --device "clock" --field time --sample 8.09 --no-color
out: 4.22
